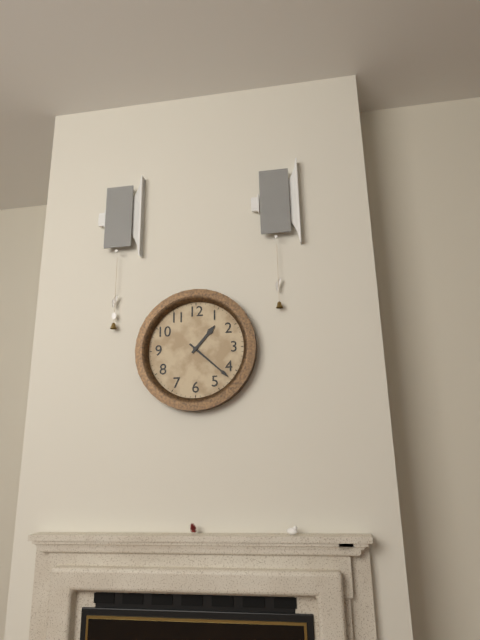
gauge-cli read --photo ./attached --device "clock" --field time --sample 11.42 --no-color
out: 1.22
